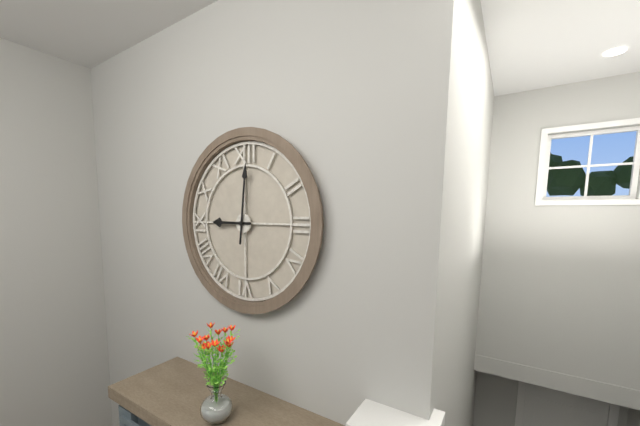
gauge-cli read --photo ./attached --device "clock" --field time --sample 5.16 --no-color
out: 9.01
